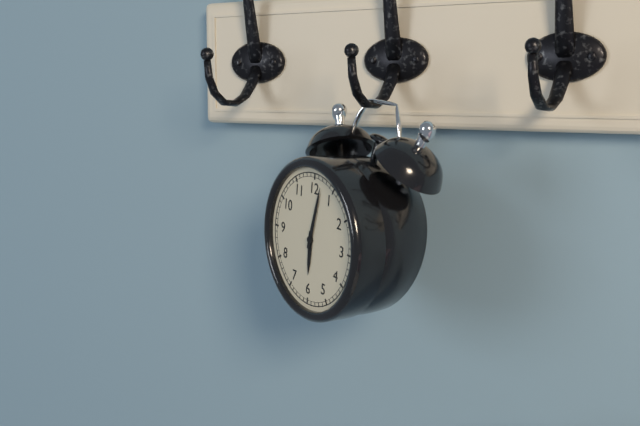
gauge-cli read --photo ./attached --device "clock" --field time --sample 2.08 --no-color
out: 6.02
